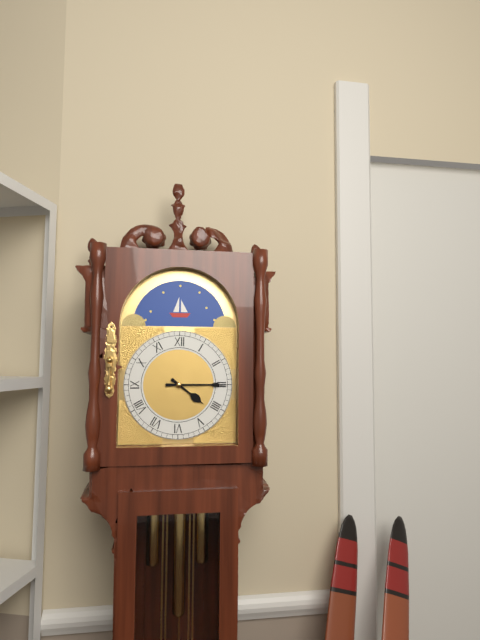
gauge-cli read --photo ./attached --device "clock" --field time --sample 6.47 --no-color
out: 4.15
